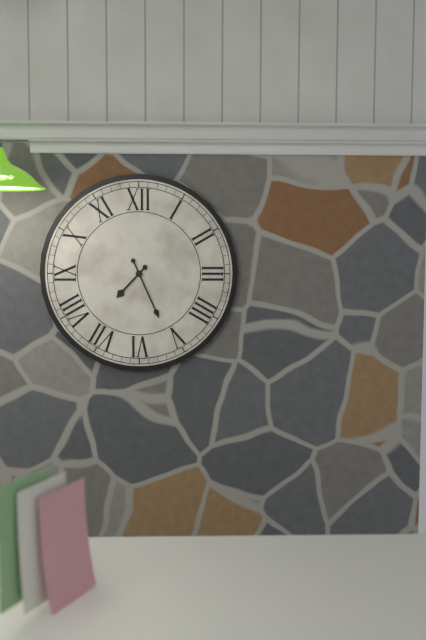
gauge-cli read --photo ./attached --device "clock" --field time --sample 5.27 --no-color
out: 7.26
